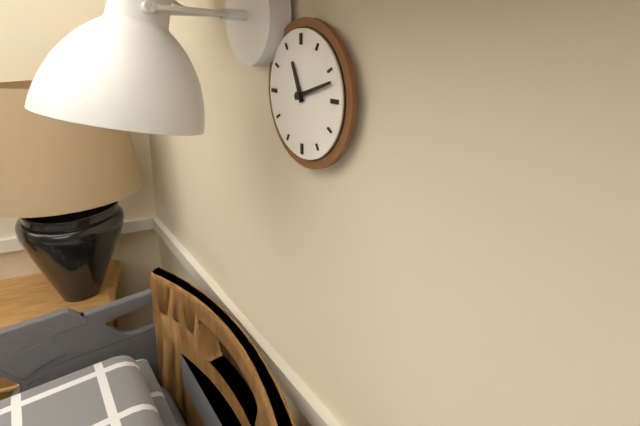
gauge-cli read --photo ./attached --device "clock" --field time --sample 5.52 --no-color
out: 11.12
